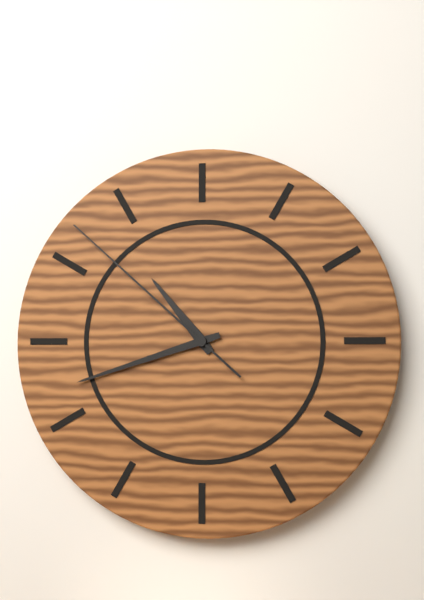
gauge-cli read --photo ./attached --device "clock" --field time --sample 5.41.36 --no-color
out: 10.42.52
